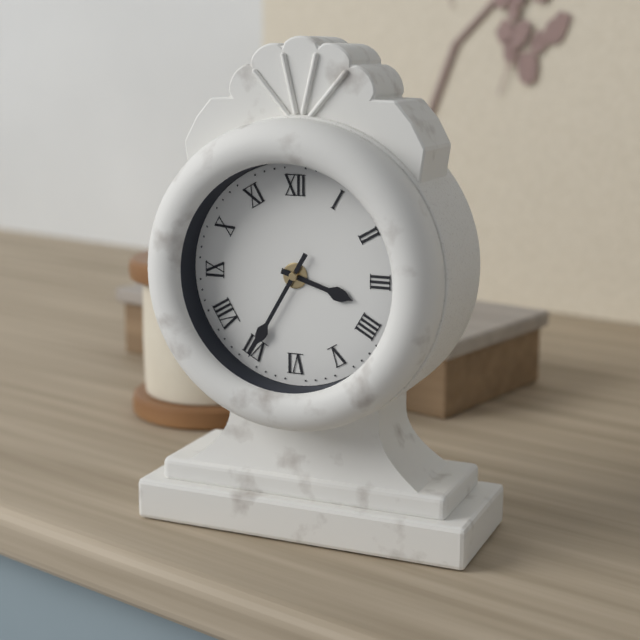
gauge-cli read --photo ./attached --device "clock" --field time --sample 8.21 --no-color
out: 3.35
